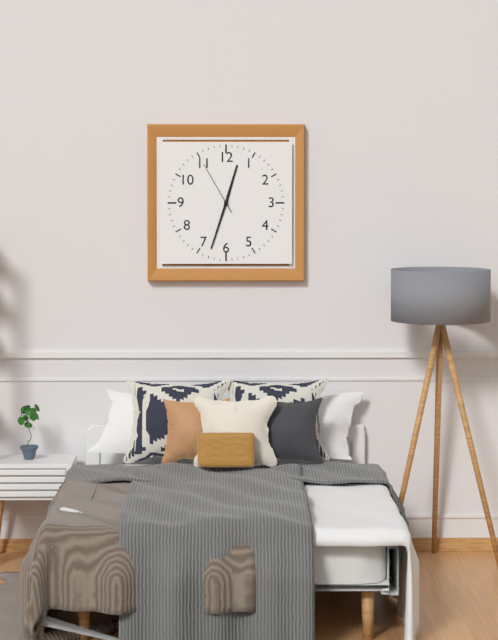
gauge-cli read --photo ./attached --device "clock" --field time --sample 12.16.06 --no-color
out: 12.33.55
